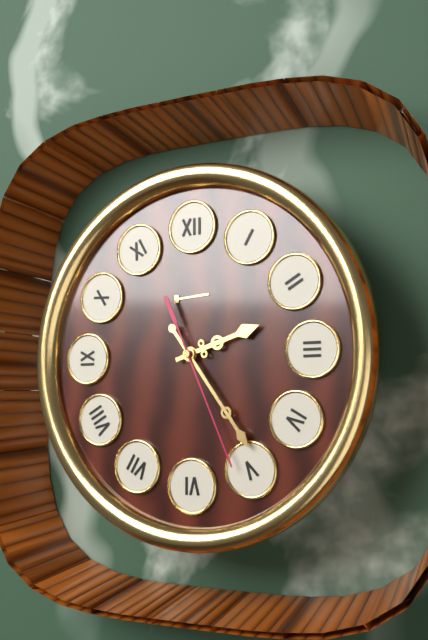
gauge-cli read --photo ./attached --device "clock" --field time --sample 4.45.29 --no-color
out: 2.24.26
